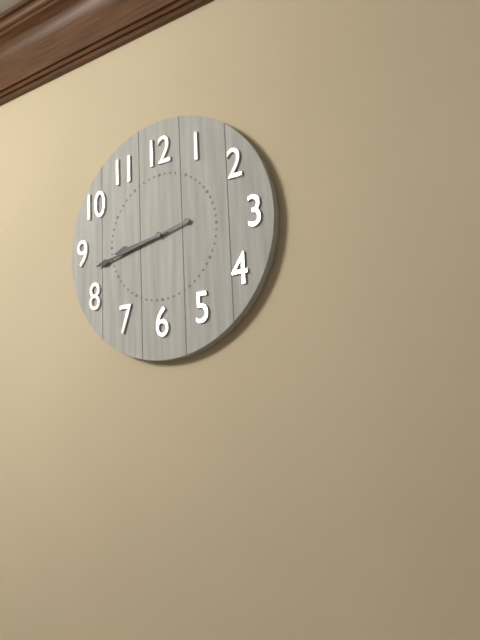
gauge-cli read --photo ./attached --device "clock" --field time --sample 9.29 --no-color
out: 8.43
